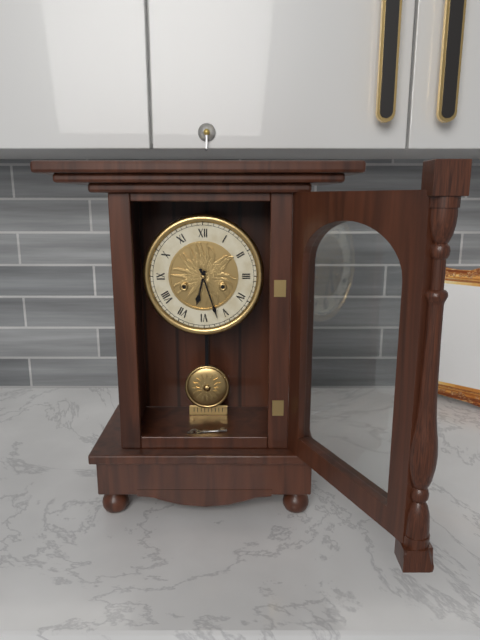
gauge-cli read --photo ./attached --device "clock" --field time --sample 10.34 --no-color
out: 6.27
